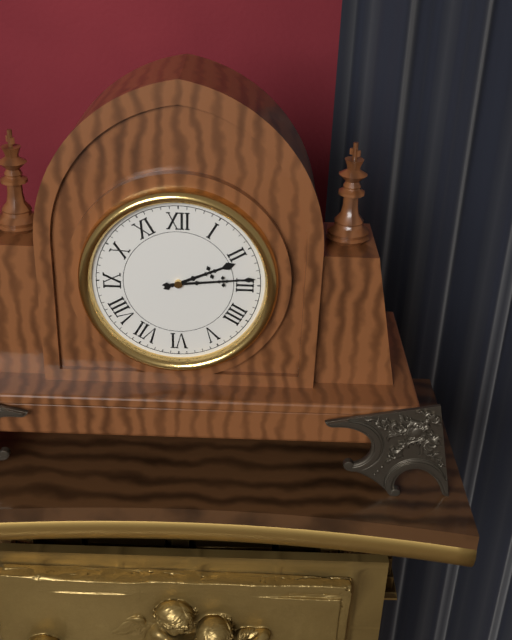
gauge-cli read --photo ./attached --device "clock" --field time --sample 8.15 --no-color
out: 2.14
